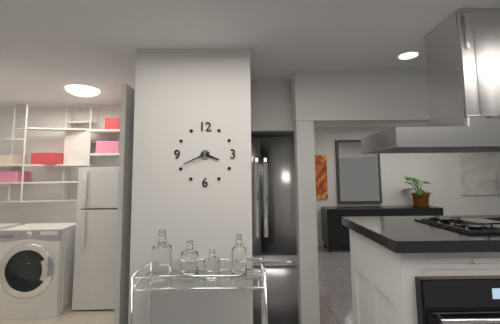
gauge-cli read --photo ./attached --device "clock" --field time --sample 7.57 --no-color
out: 3.41
